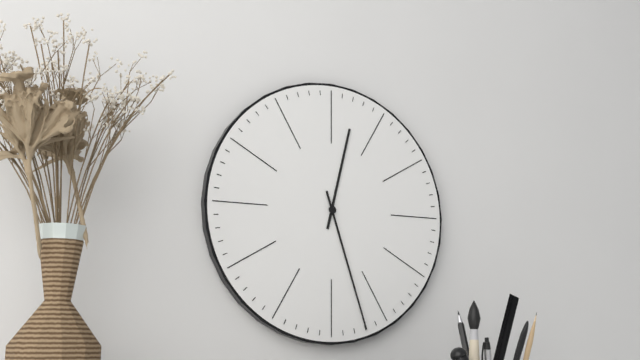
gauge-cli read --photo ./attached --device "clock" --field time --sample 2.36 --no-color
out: 12.27
